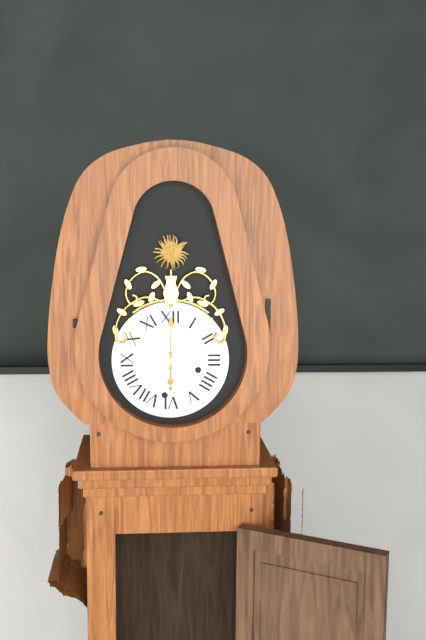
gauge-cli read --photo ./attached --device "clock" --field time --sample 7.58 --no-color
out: 6.00
